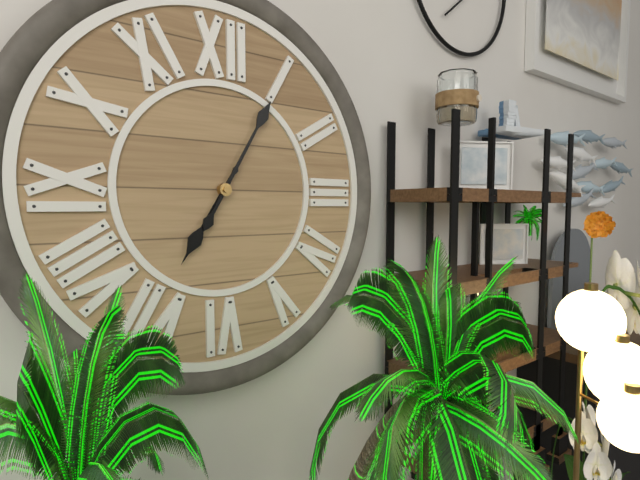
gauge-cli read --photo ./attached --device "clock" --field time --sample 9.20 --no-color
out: 7.05
